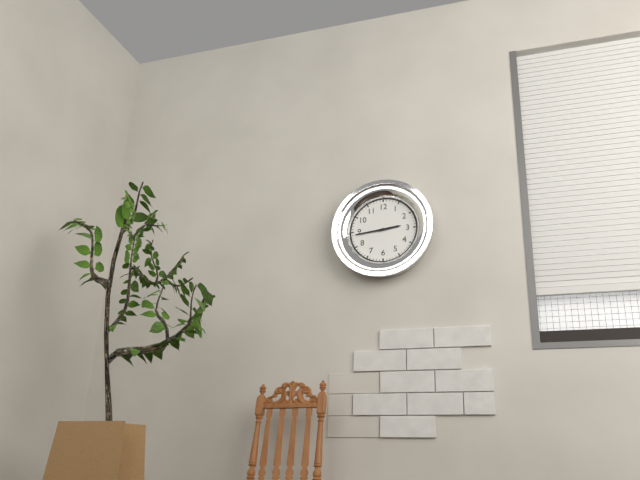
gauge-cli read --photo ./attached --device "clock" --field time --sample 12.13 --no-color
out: 2.44
